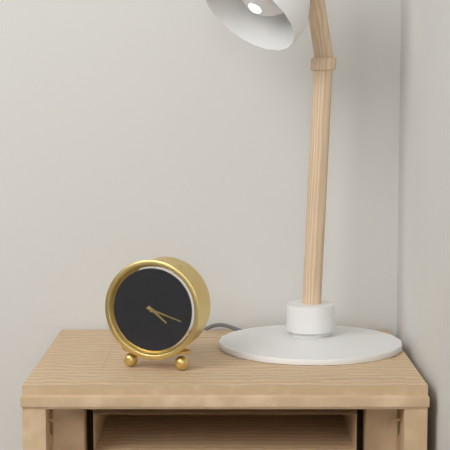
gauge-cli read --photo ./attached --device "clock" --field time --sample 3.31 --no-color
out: 4.18
